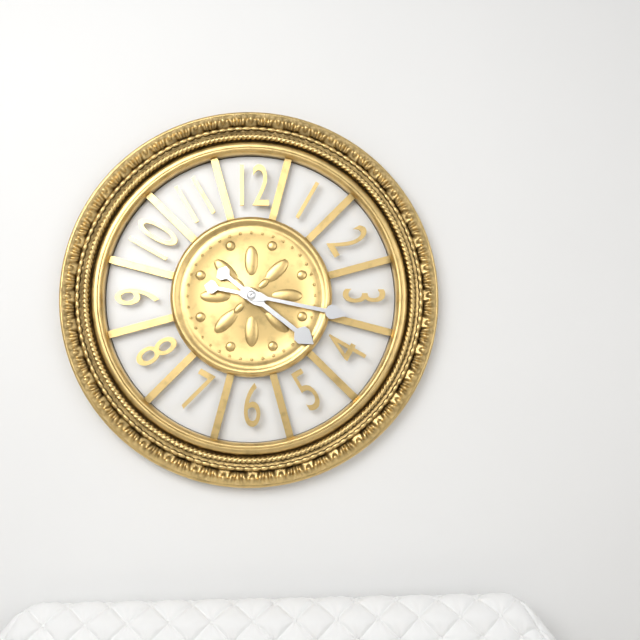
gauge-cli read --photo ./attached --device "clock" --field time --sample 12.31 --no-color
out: 4.17
